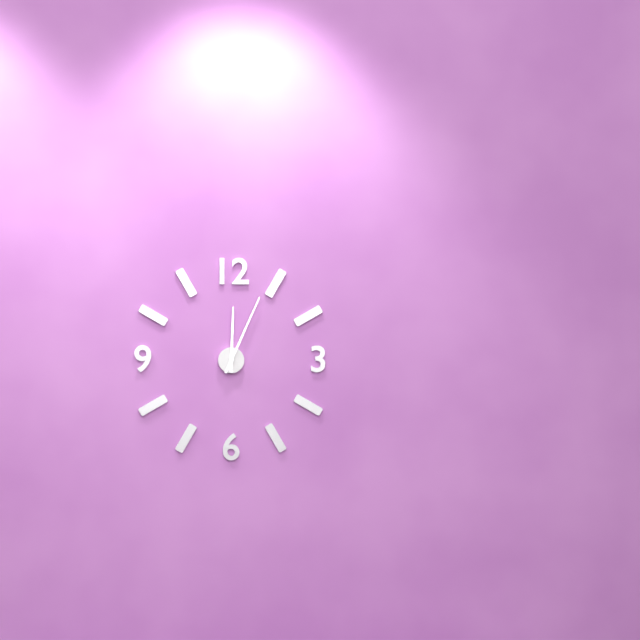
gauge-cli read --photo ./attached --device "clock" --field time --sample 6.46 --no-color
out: 12.04
